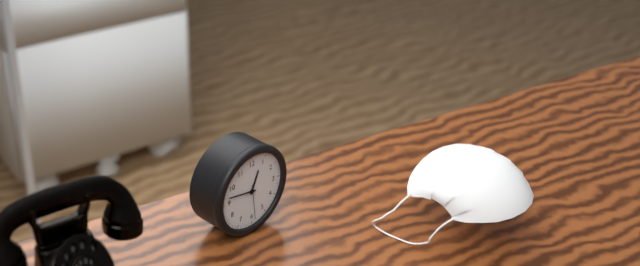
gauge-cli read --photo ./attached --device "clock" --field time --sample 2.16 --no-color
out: 12.47
